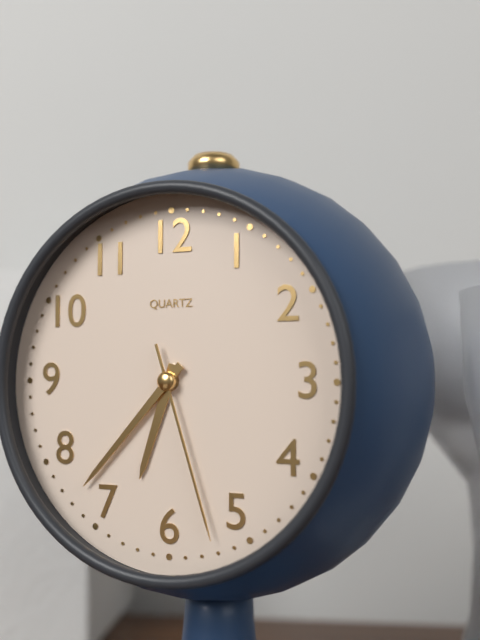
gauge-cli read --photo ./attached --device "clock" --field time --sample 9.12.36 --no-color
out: 6.37.27
